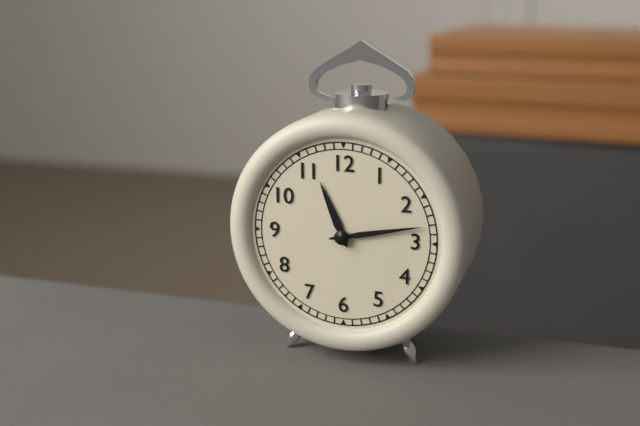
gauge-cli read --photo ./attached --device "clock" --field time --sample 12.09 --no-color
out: 11.13
